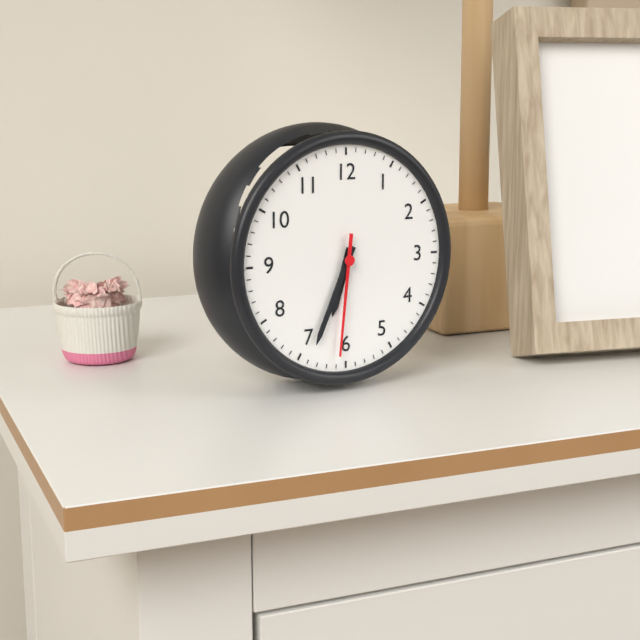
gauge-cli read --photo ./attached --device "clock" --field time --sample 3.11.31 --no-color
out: 6.34.31
